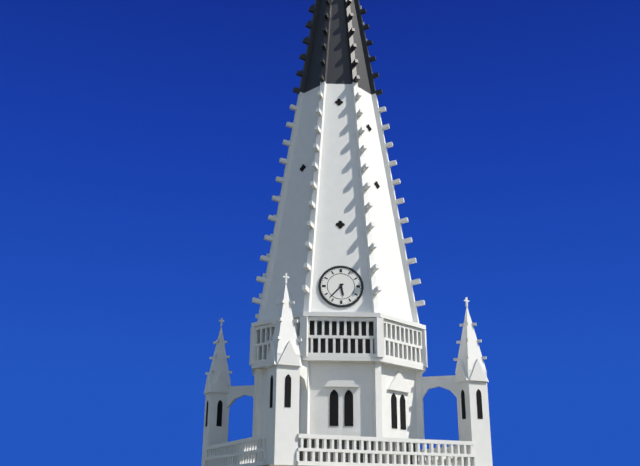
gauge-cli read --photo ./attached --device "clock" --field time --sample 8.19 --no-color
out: 5.37
